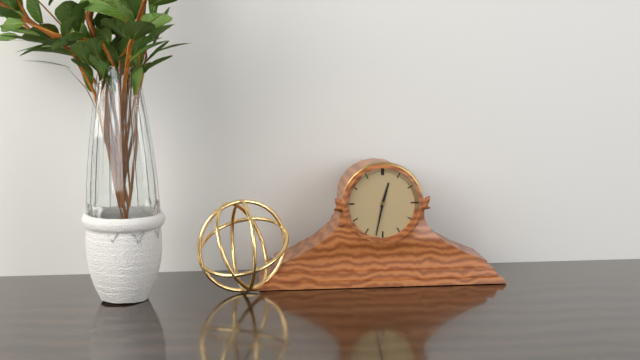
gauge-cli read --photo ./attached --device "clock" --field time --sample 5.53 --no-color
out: 12.32
